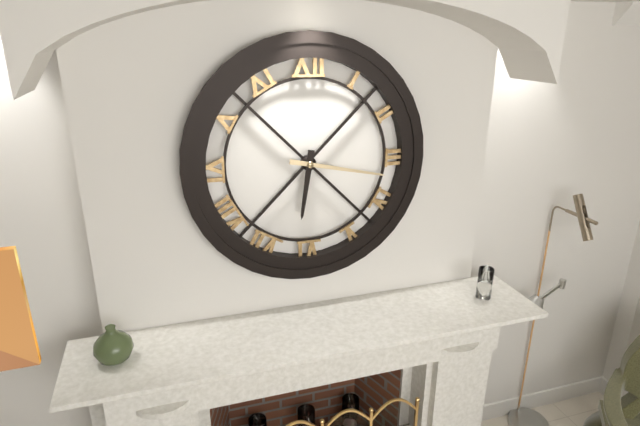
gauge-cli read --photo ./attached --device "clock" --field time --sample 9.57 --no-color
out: 6.17
